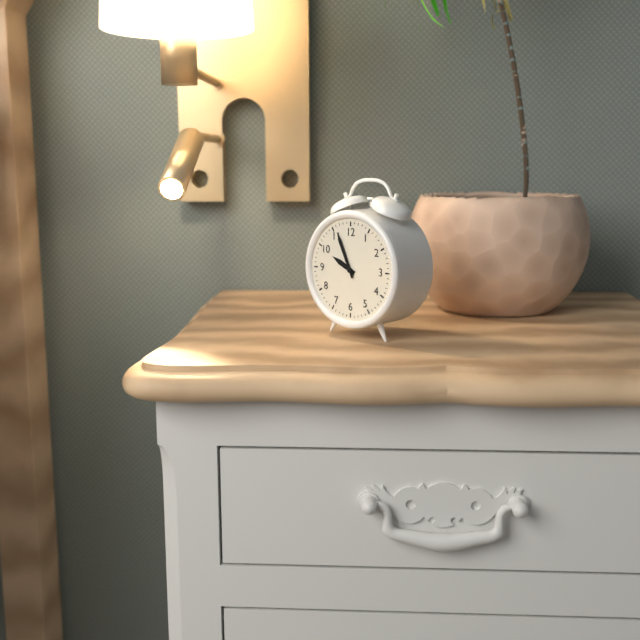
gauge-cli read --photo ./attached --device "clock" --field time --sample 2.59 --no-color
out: 9.56
